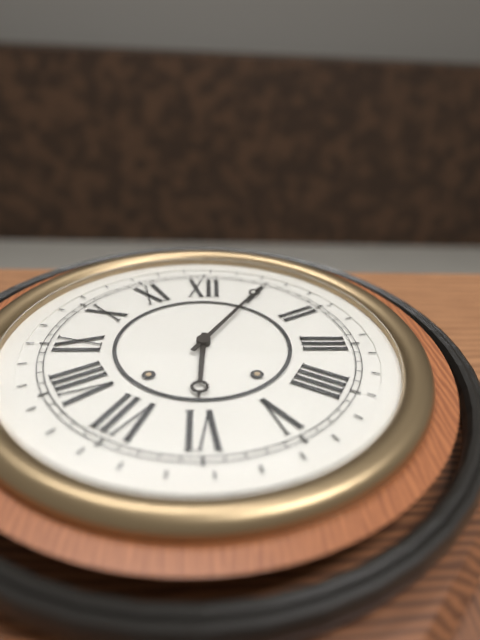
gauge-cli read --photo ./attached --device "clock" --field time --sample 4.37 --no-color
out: 6.05
